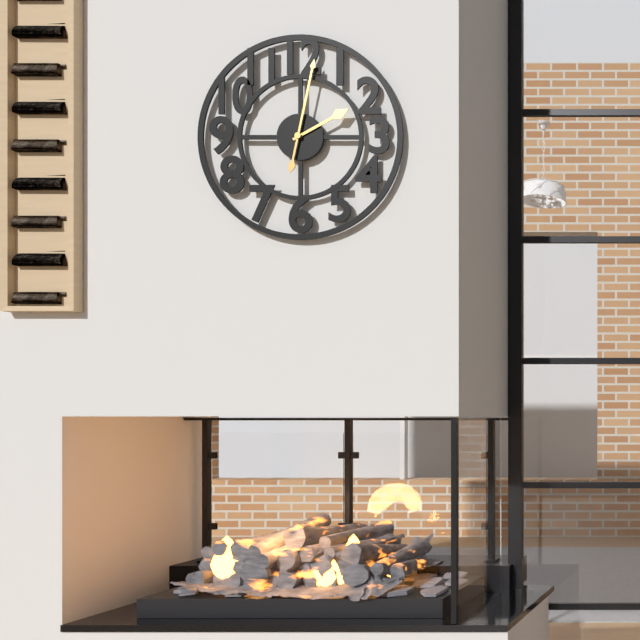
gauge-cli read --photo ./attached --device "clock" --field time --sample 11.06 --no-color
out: 2.02
